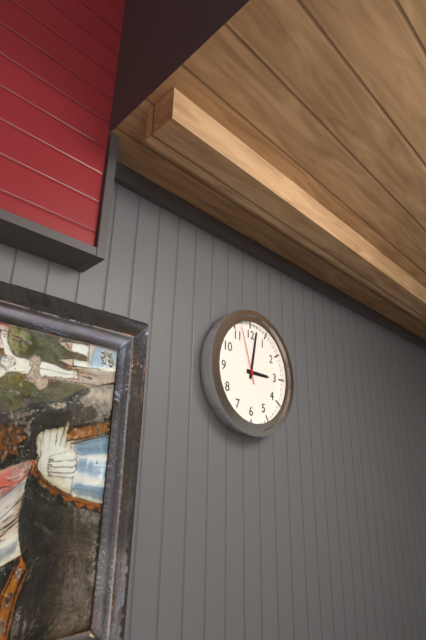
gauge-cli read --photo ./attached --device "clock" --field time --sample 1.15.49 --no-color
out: 3.02.57
